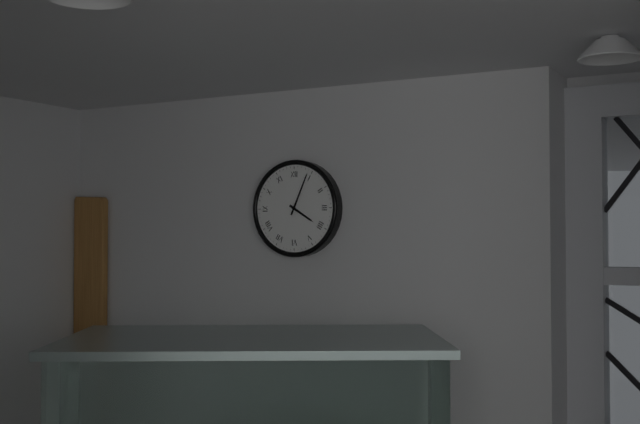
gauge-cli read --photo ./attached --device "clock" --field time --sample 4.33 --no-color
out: 4.04
